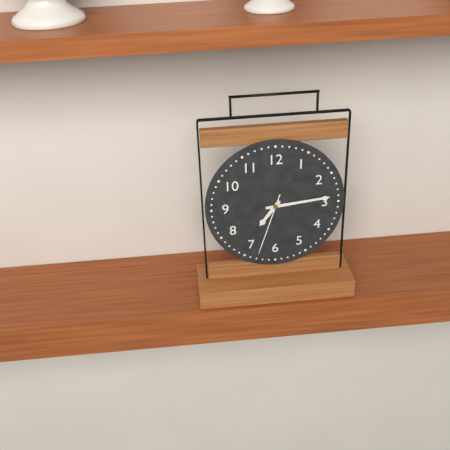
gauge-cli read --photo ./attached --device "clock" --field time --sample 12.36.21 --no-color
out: 7.14.33
